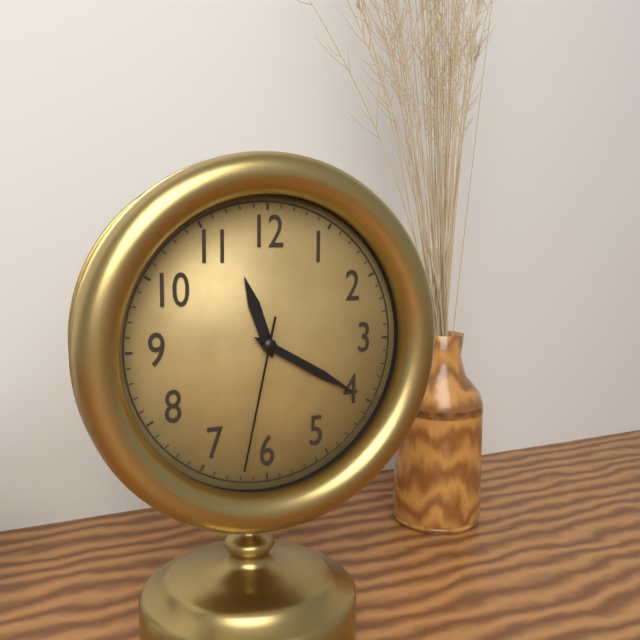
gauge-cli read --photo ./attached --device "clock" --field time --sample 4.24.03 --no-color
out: 11.20.32
